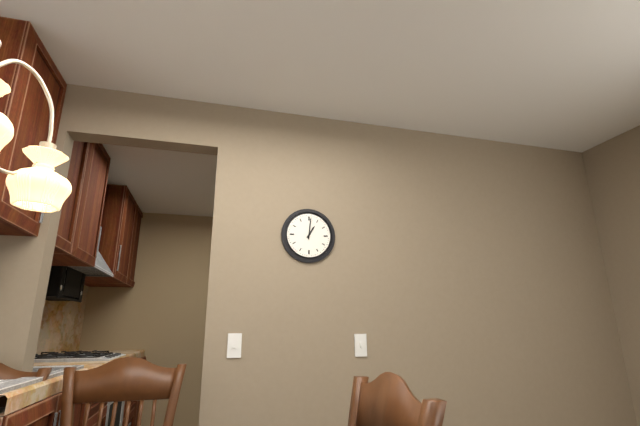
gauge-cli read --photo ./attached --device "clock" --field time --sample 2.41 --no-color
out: 1.01
